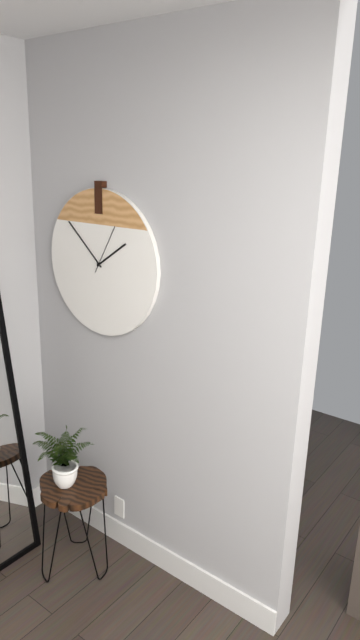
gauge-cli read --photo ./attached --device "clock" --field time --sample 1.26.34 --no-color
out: 1.52.05
